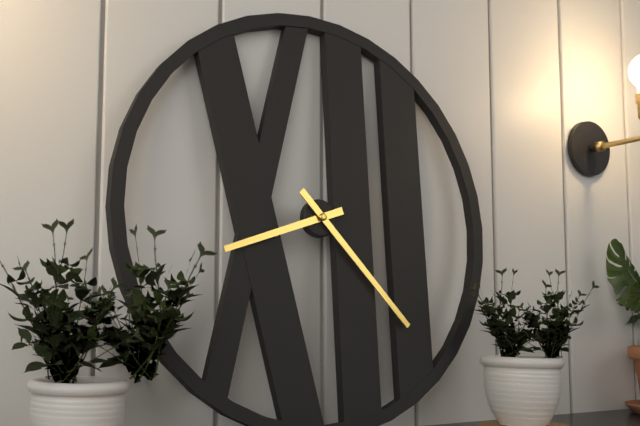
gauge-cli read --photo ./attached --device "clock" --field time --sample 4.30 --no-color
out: 8.23
